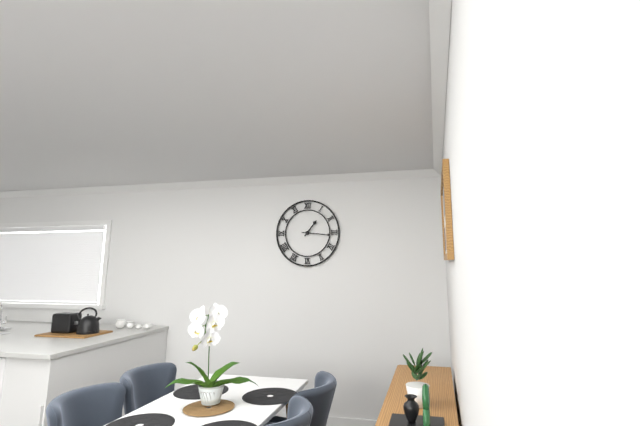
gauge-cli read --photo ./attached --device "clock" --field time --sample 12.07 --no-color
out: 1.16
